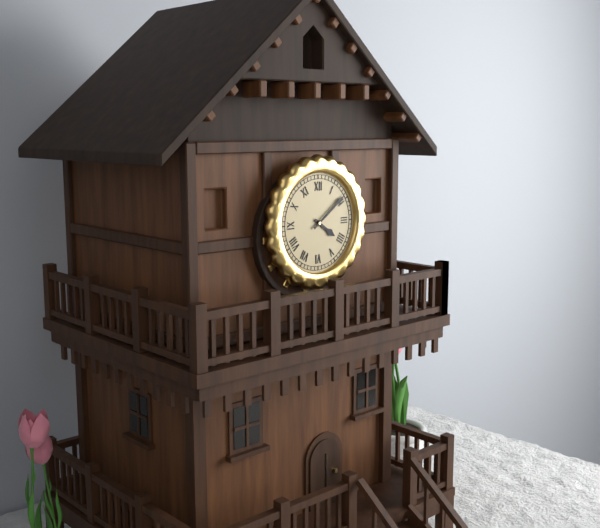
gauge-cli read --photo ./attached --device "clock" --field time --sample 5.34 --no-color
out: 4.09
